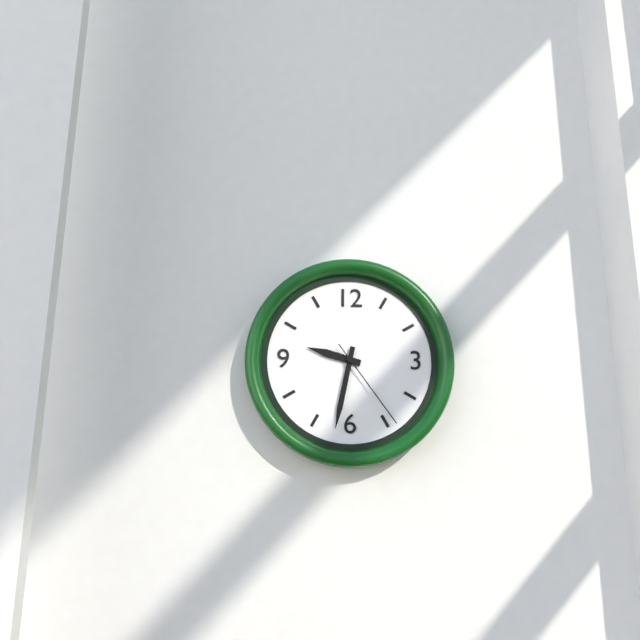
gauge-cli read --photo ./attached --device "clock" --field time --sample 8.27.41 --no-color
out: 9.32.24
